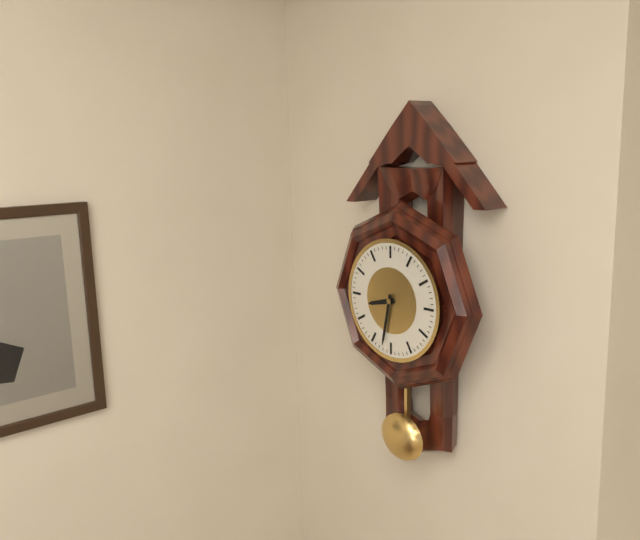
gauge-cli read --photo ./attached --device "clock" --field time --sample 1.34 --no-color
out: 8.32
